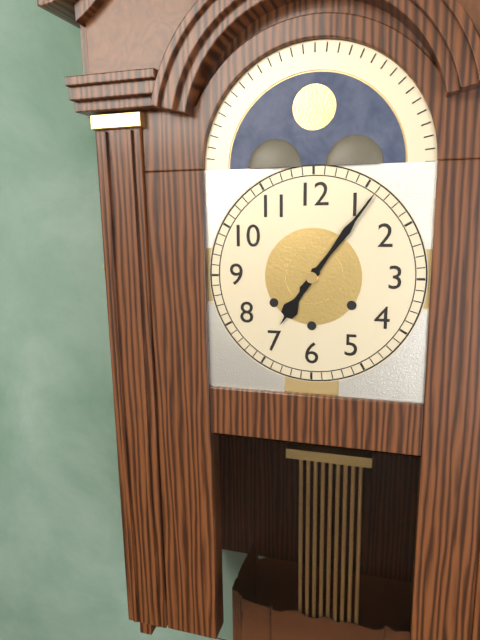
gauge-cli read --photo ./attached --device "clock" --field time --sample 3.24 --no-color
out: 7.06
